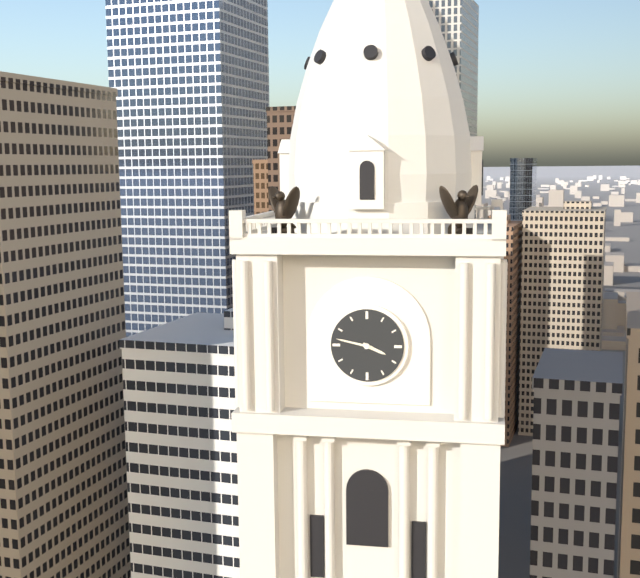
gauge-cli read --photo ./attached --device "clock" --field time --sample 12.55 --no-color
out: 3.47
